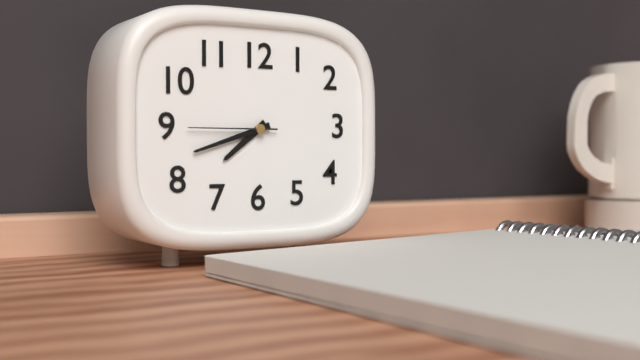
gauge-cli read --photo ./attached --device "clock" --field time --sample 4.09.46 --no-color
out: 7.42.45
